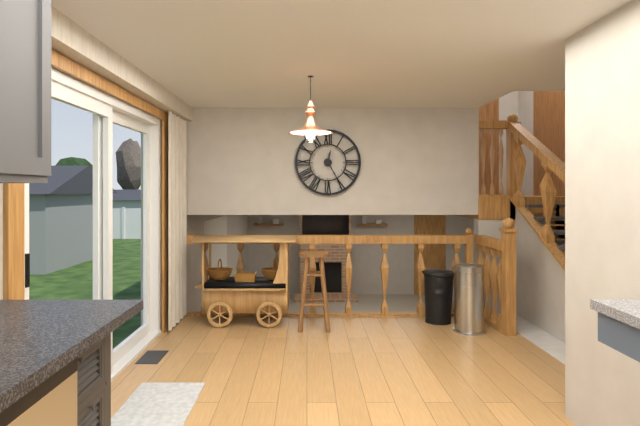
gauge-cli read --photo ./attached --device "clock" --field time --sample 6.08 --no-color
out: 12.25
